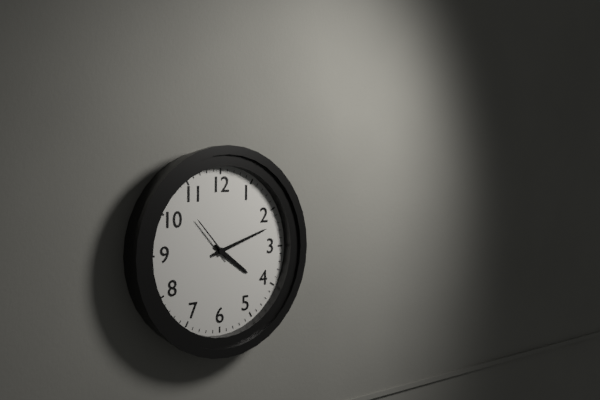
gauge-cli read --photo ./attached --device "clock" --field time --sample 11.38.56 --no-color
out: 4.12.53
